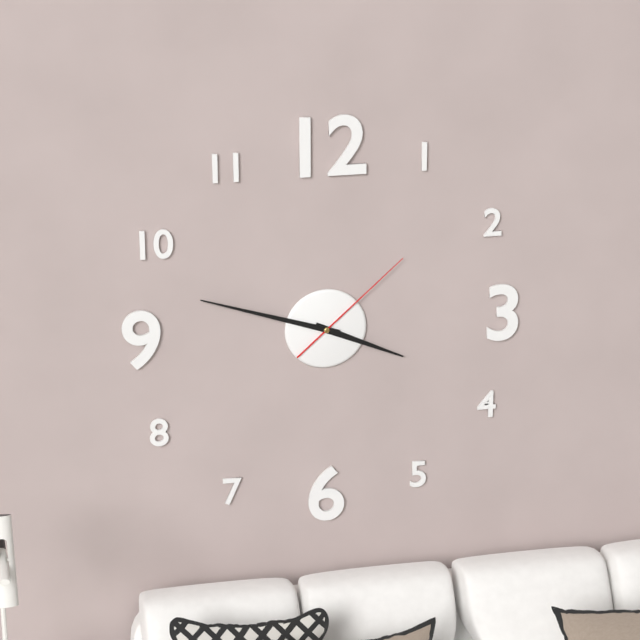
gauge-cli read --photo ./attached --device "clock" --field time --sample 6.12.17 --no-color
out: 3.48.08
